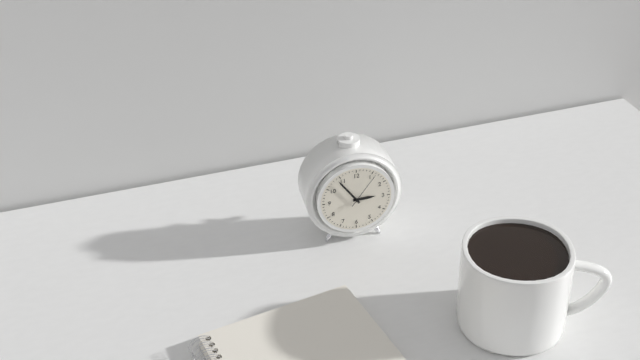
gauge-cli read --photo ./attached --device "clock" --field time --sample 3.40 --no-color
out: 2.54
